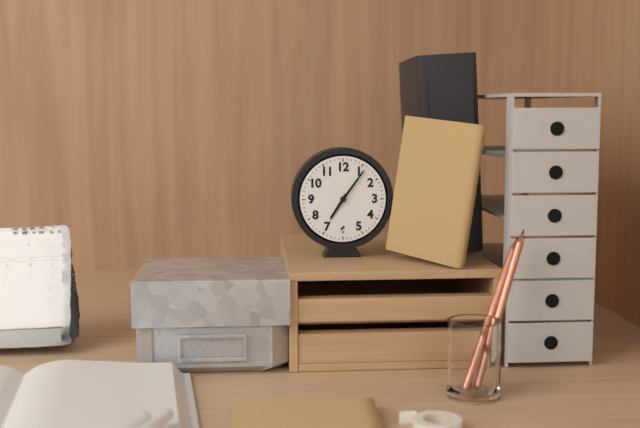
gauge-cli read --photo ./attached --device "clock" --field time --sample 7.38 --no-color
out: 7.06
